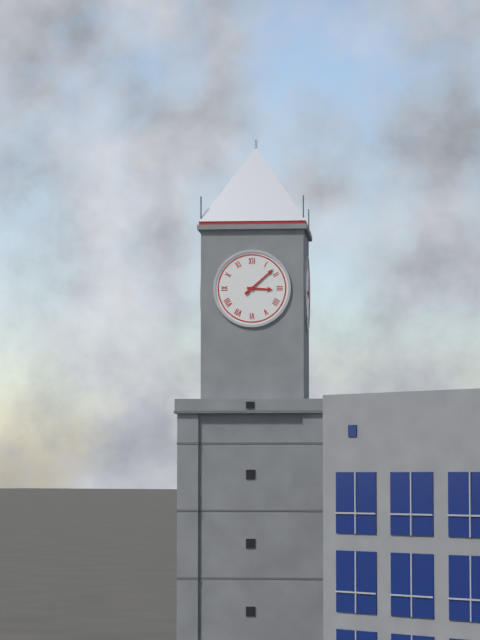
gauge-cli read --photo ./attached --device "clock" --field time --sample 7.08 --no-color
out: 3.08
